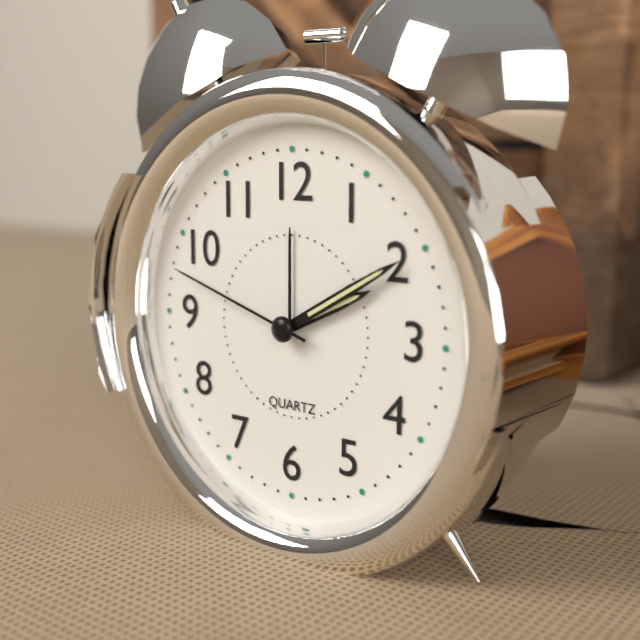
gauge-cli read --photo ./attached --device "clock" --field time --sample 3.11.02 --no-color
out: 2.10.48
